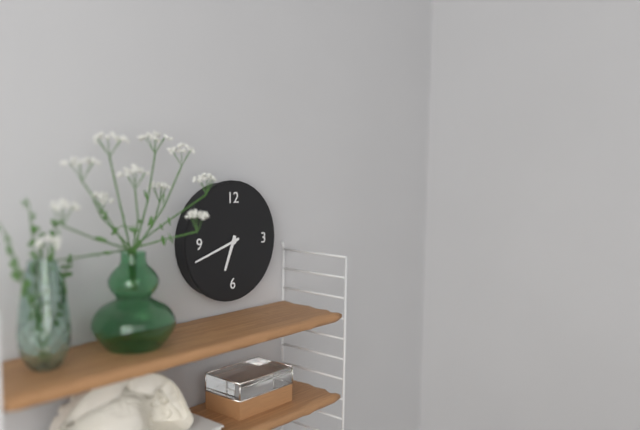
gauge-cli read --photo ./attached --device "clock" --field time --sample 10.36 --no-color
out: 6.42
